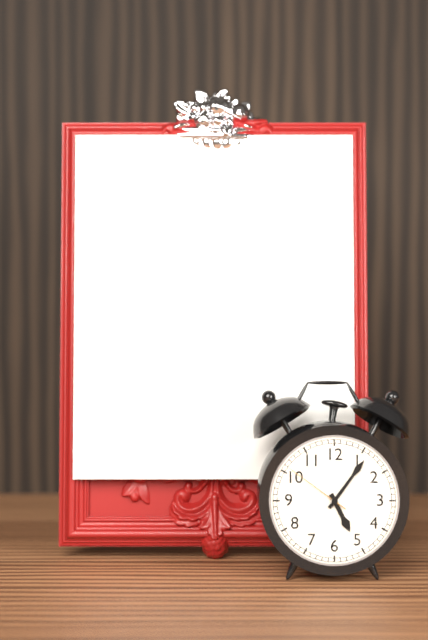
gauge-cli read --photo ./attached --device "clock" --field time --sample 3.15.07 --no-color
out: 5.06.51
